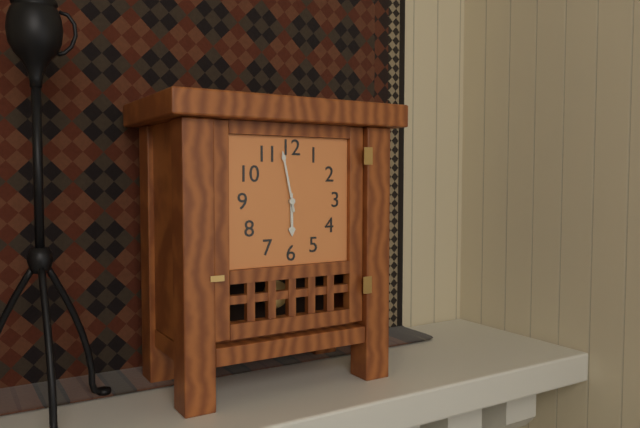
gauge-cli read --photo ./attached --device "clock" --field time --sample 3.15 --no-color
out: 5.58
